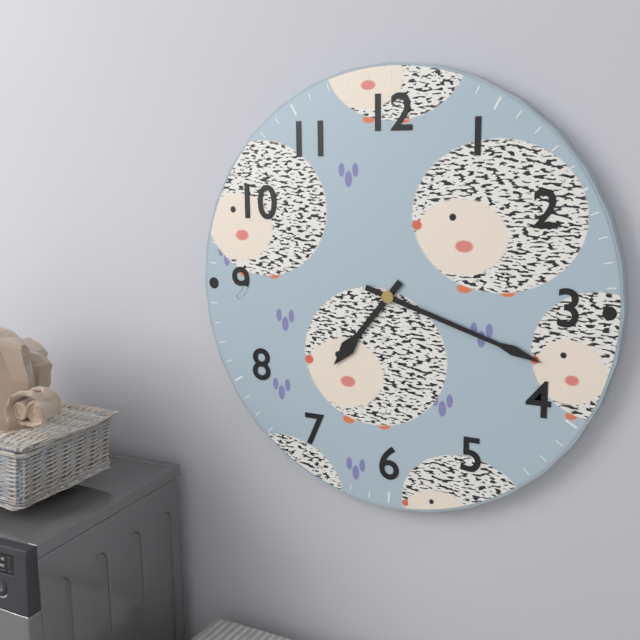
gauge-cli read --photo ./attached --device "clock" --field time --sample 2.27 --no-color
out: 7.18
